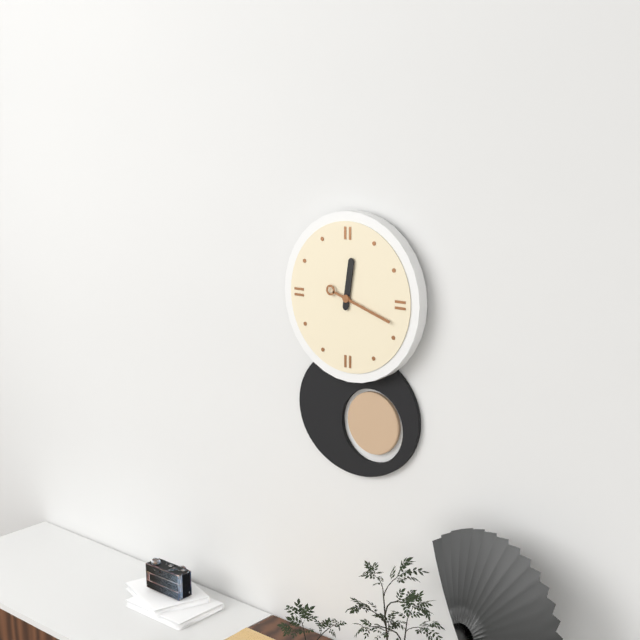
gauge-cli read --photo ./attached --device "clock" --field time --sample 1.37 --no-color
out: 12.18
